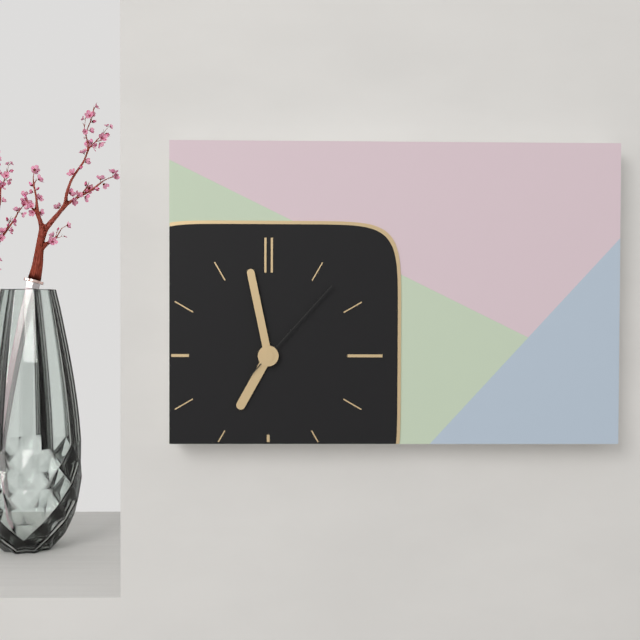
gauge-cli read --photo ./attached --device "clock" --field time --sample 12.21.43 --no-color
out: 6.58.07
